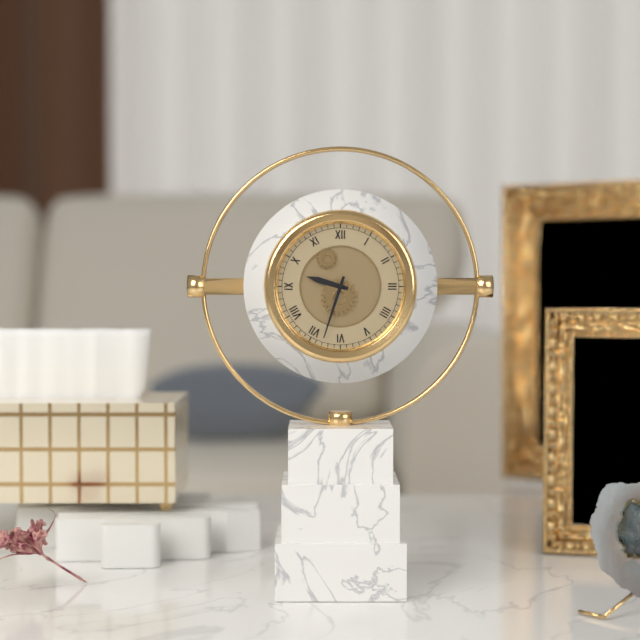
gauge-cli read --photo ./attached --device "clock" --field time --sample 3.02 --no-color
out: 9.33
